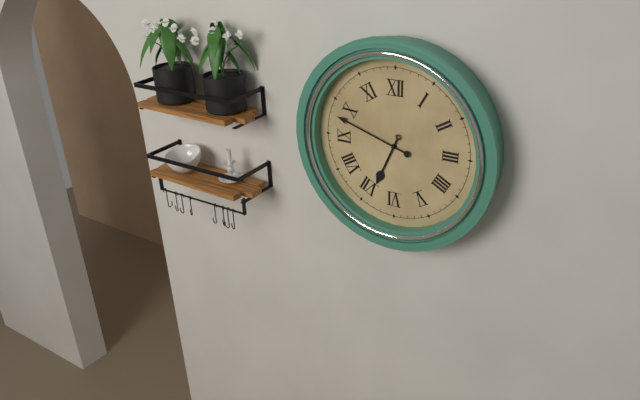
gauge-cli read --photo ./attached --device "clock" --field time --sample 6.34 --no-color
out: 6.48
